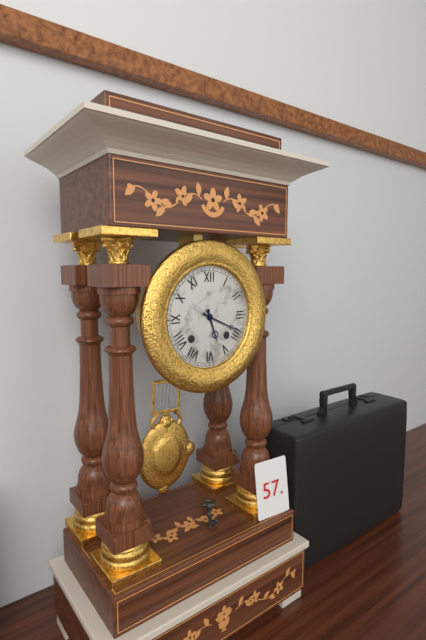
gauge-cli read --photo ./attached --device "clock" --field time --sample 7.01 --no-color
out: 5.19
